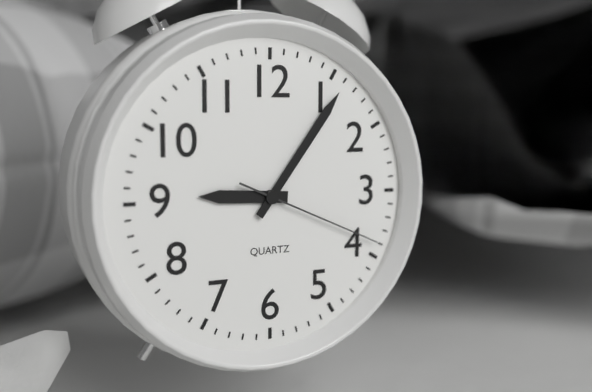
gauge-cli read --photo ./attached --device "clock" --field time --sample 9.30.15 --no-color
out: 9.06.19
